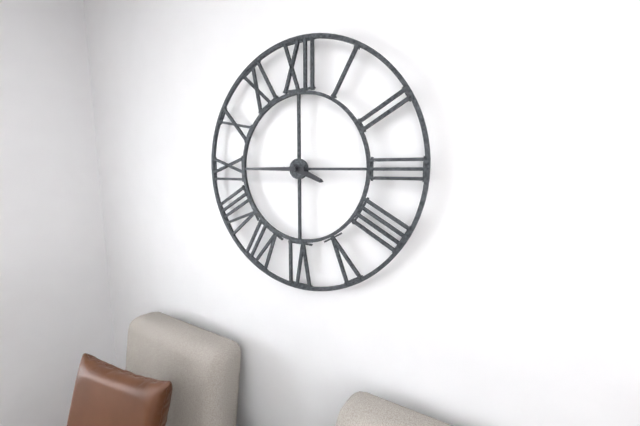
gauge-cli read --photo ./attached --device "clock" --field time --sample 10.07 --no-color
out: 3.45
